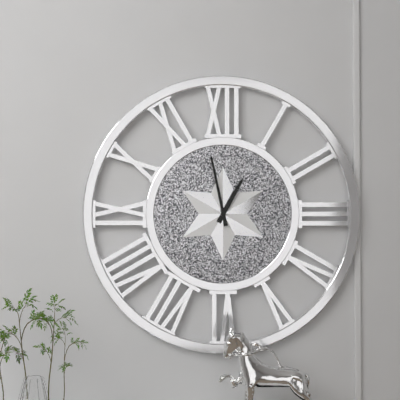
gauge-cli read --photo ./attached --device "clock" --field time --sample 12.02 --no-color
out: 12.58
